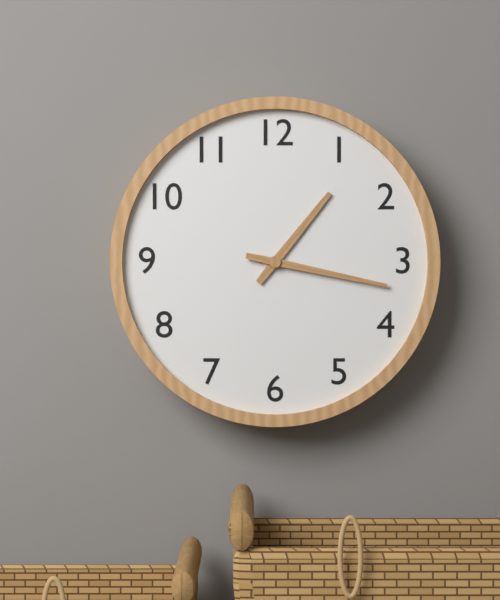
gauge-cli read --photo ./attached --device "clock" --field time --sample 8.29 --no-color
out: 1.17
